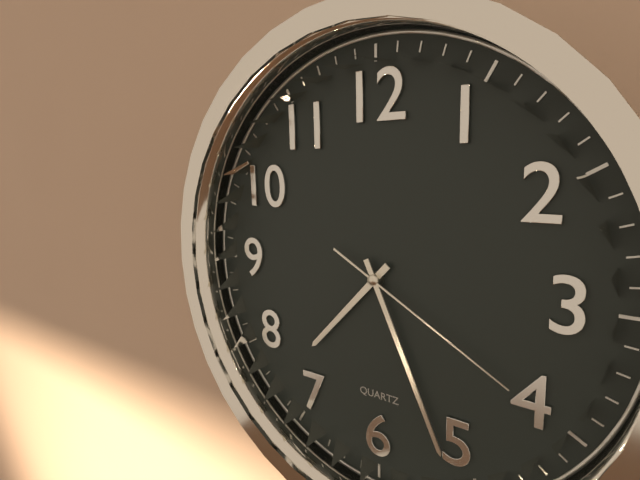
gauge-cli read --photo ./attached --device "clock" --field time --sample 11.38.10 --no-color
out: 7.26.20
